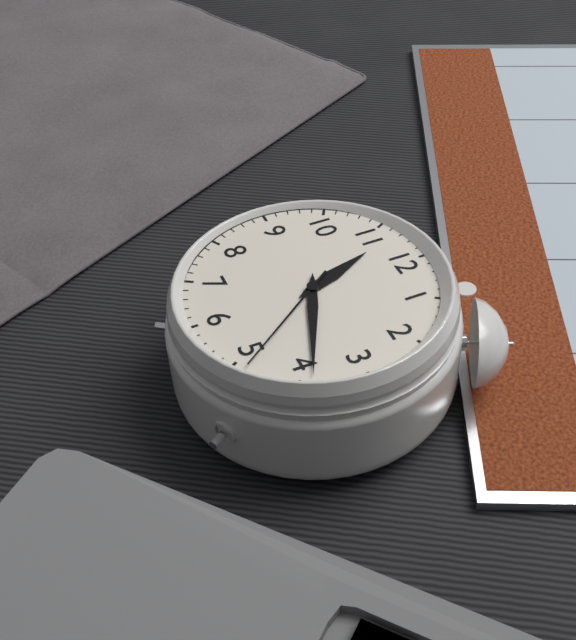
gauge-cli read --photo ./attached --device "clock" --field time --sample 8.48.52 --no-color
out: 11.19.24
